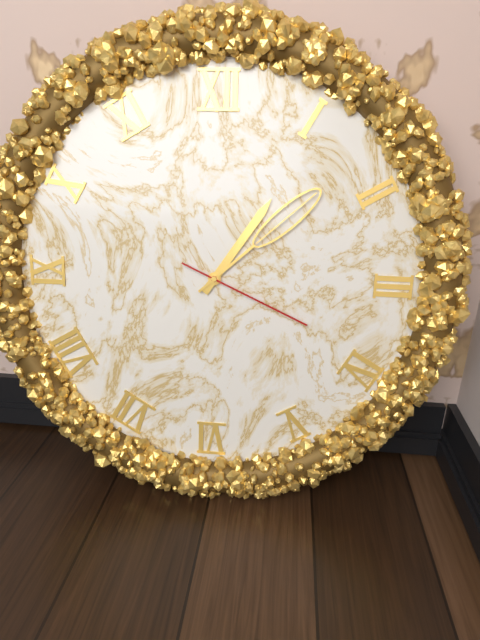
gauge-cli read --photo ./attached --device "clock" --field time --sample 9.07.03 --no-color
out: 1.08.19
